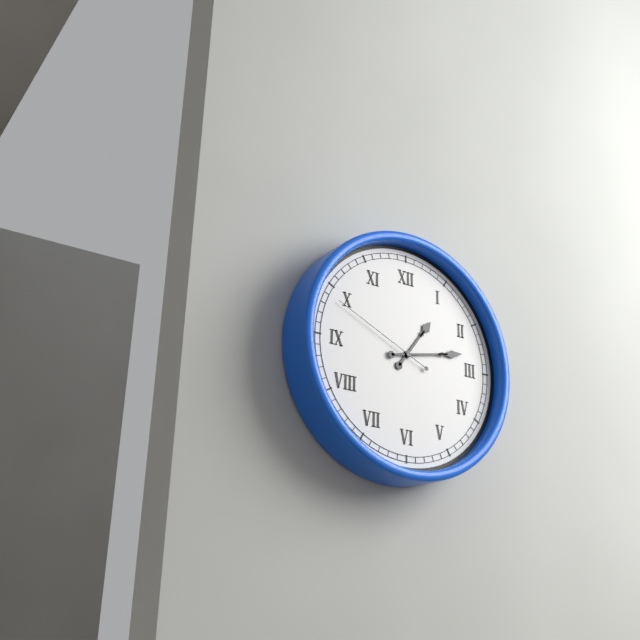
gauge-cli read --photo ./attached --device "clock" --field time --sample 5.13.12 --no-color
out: 1.13.49
